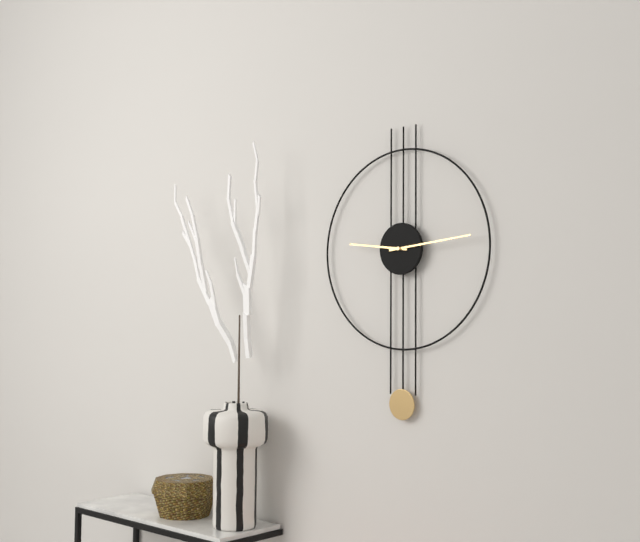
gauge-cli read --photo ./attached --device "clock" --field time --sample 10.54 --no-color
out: 9.14
